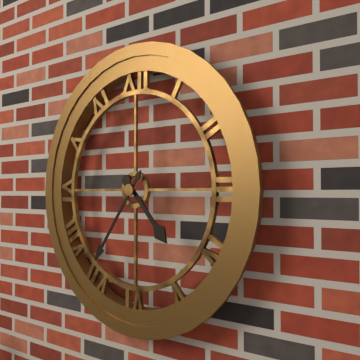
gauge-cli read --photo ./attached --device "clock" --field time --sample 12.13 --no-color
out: 4.36
